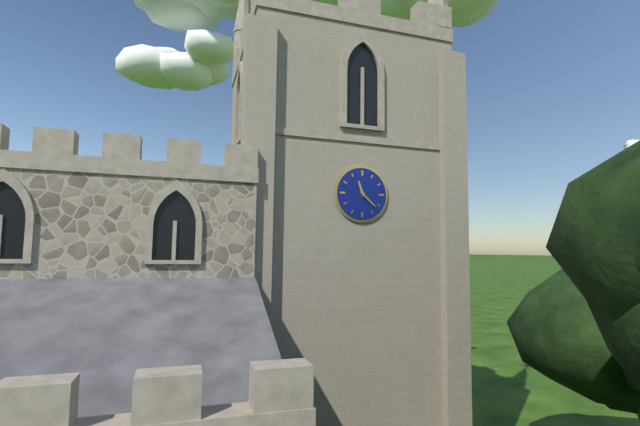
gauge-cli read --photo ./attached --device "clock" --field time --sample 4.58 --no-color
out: 11.22
